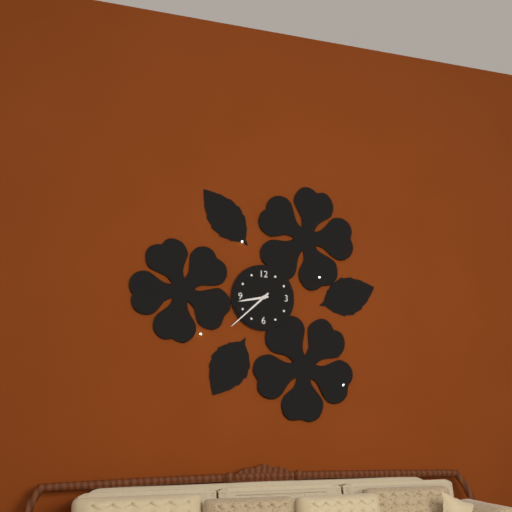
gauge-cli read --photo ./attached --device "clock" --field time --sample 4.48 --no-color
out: 8.38
